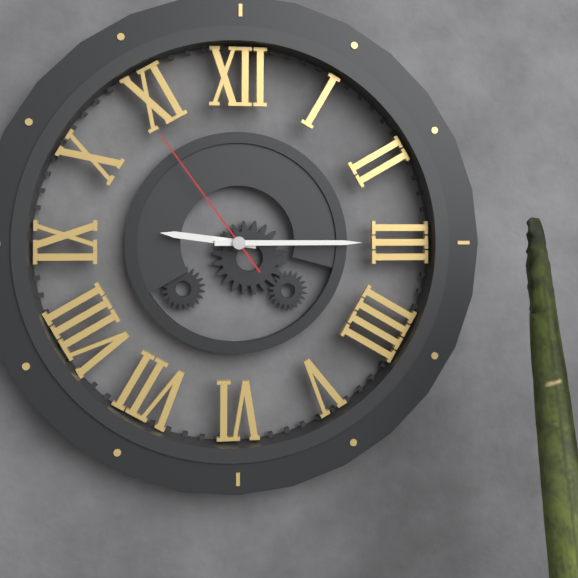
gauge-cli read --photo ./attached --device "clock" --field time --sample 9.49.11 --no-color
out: 9.15.54
